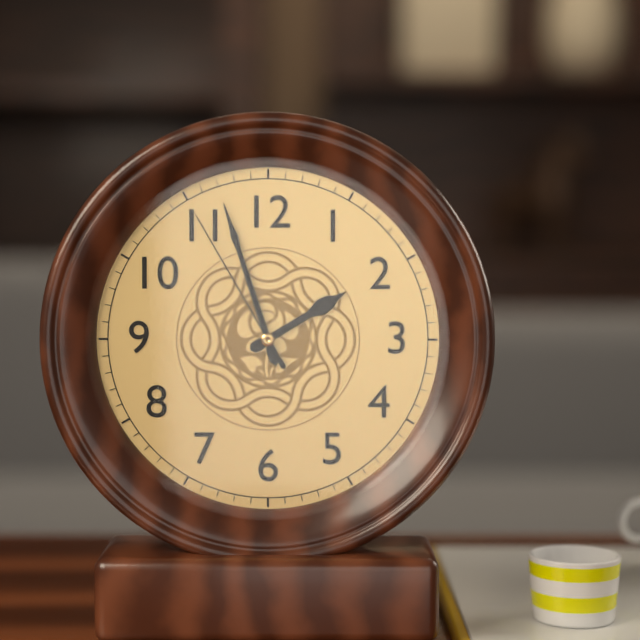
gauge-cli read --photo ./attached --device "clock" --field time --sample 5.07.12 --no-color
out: 1.57.55
